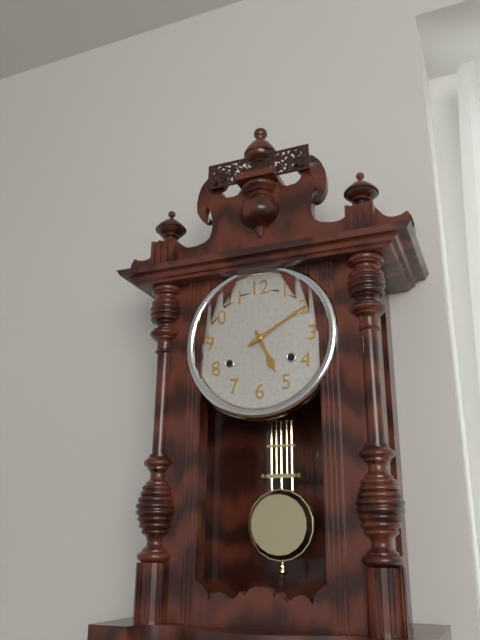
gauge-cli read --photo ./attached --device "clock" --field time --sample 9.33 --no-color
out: 5.10
